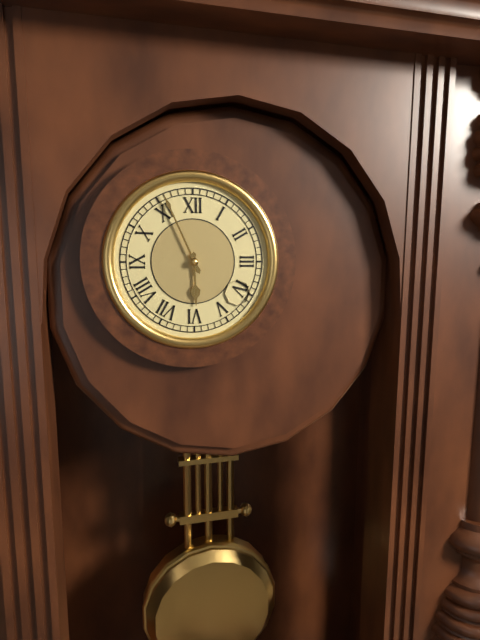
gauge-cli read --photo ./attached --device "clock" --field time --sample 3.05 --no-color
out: 5.56
